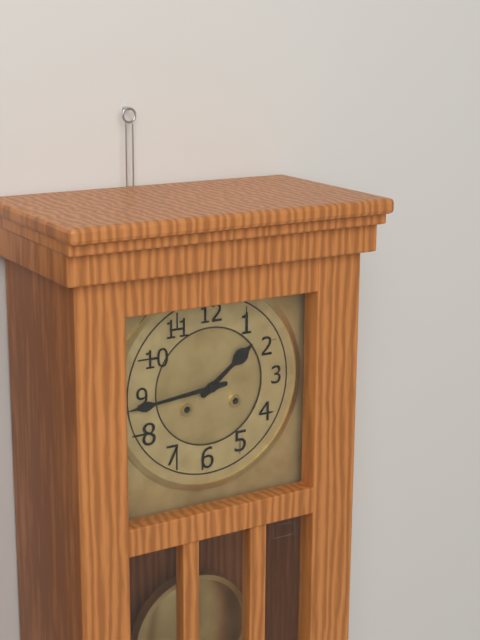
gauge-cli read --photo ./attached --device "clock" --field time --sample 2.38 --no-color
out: 1.44
